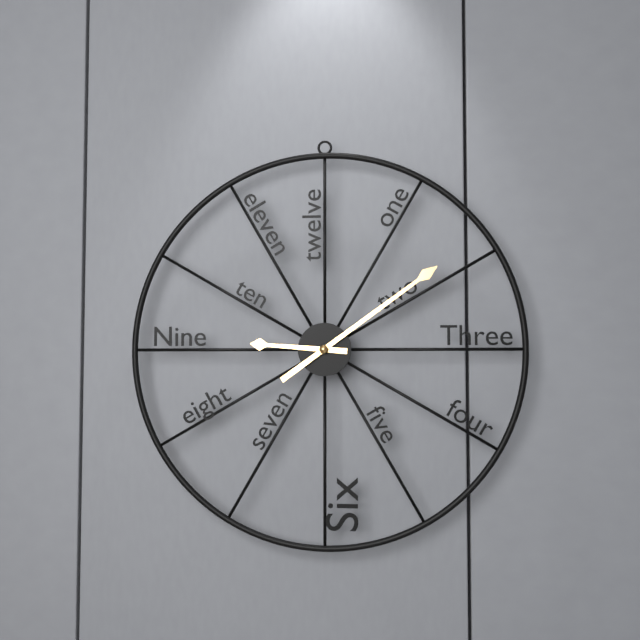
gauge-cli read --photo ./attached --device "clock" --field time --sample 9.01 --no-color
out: 9.09
